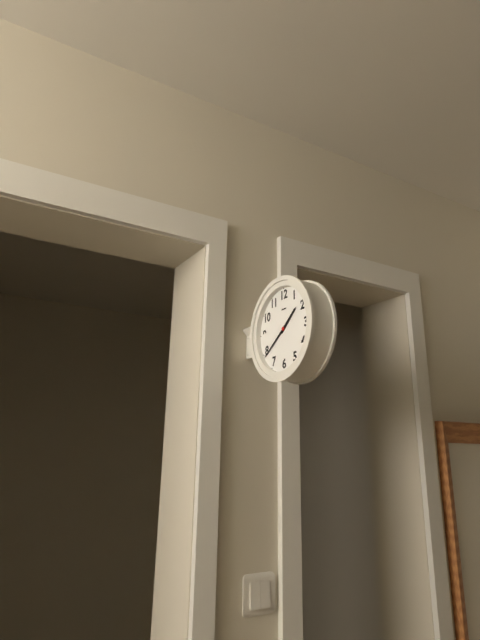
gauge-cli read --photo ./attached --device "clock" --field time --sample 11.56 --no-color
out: 1.39
